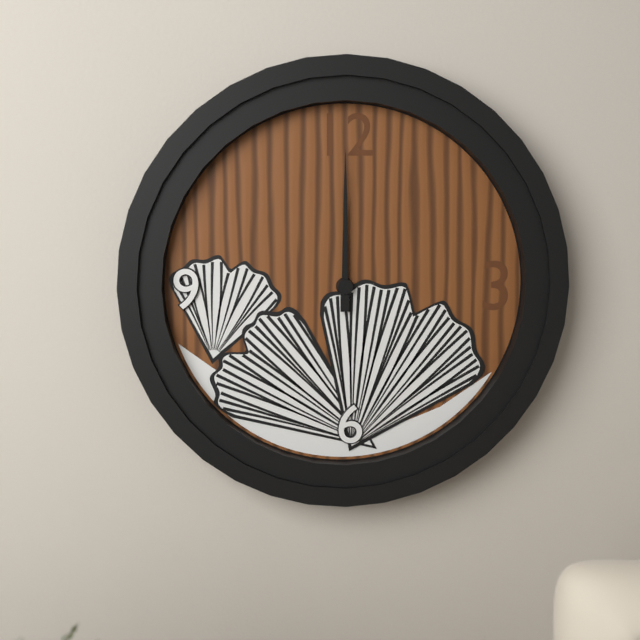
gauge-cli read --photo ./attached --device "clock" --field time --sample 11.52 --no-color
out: 12.00
